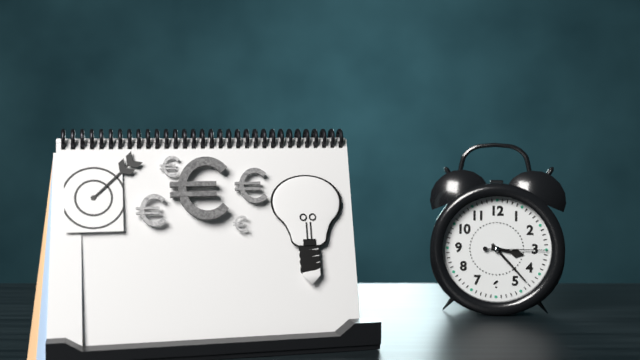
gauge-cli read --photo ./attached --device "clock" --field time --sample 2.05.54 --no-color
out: 3.23.15
